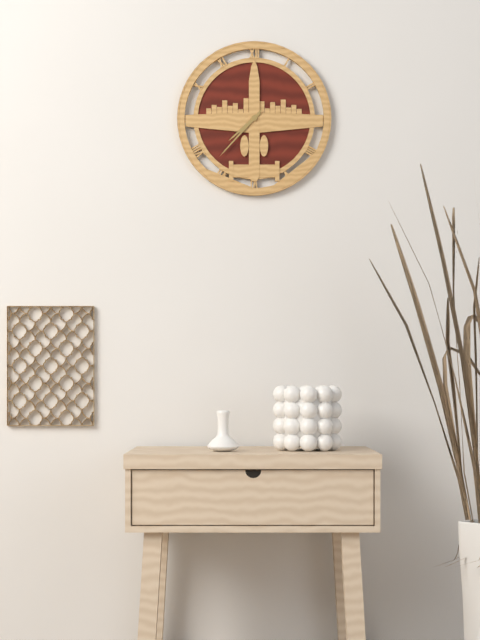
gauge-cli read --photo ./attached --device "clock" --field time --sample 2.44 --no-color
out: 7.37
